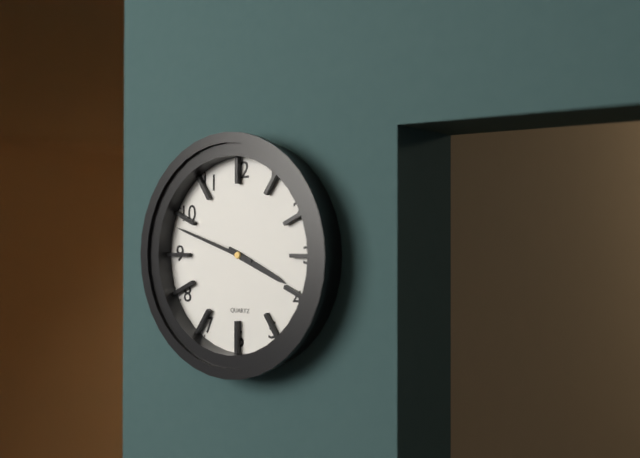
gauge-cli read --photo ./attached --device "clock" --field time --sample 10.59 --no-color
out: 3.48
